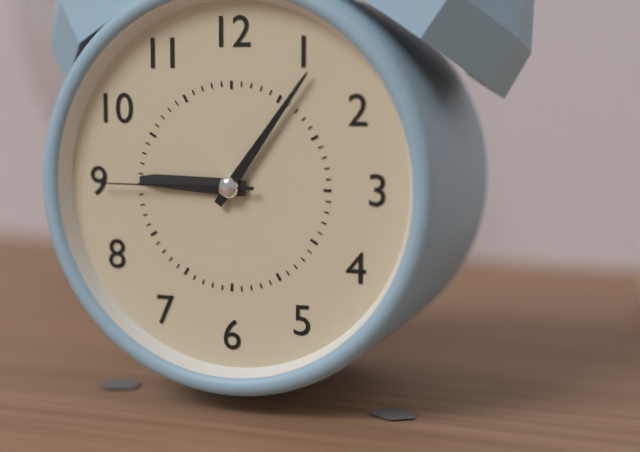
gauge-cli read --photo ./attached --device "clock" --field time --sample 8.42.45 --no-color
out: 9.06.45
